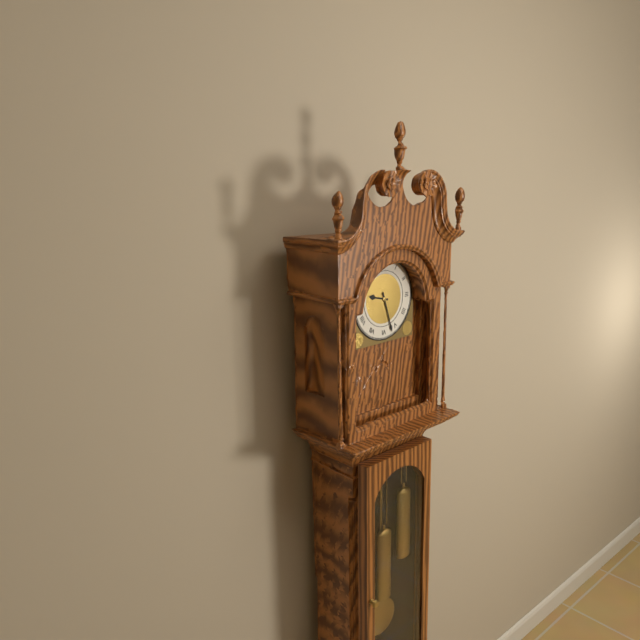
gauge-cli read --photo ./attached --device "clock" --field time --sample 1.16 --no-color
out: 9.27
